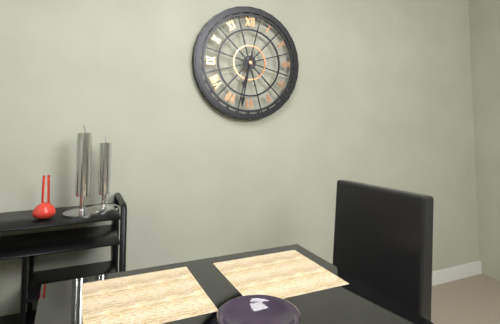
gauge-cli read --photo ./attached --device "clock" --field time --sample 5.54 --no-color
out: 6.32
